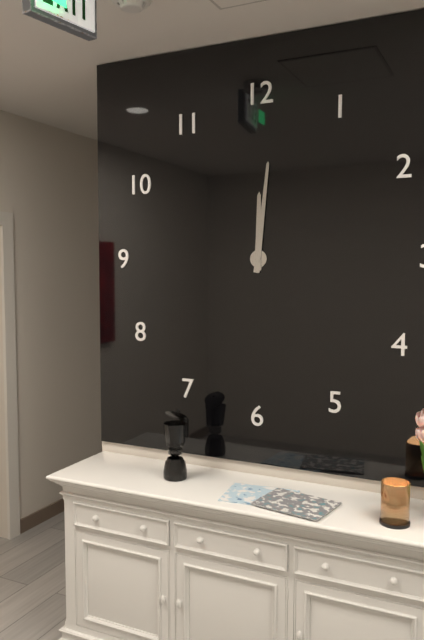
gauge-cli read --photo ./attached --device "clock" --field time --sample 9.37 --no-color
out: 12.01
